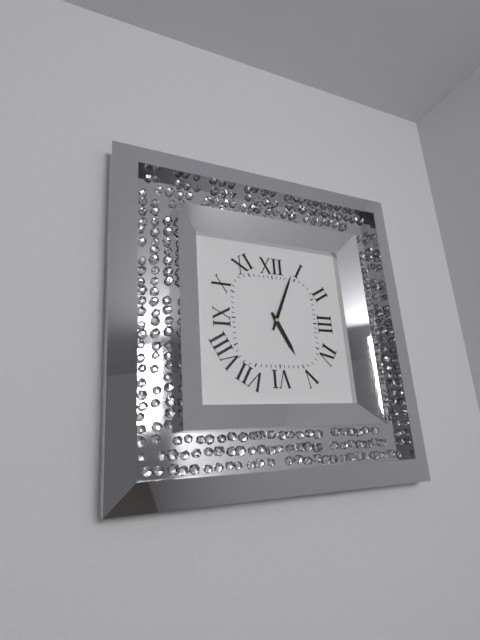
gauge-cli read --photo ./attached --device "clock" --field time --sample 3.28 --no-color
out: 5.04
